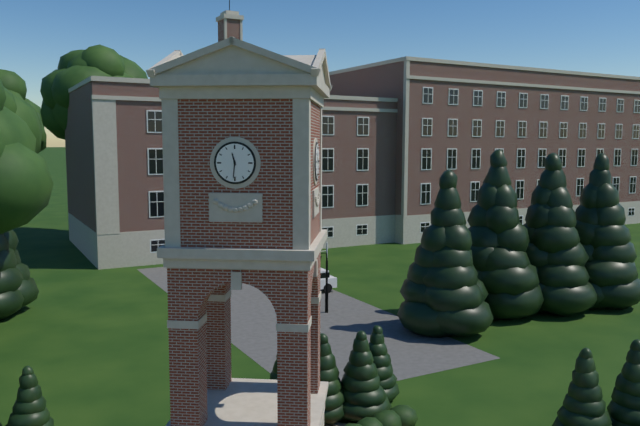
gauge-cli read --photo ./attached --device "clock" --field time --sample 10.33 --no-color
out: 11.31
